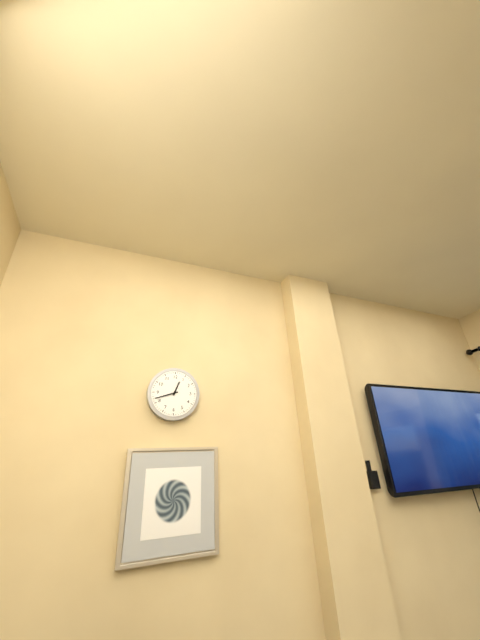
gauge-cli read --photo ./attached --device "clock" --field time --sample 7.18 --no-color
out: 12.42
